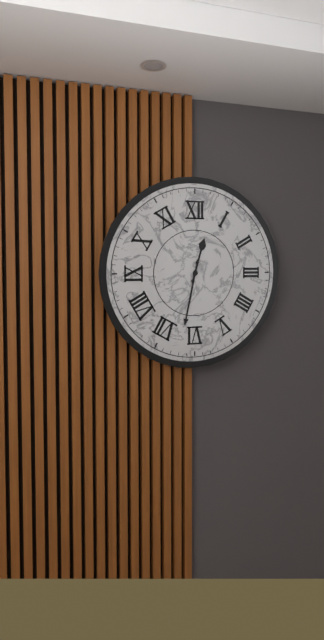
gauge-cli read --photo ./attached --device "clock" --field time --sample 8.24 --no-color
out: 12.32
